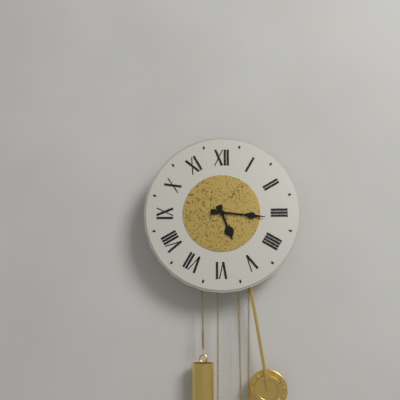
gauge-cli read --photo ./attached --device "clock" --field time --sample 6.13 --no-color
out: 5.16
